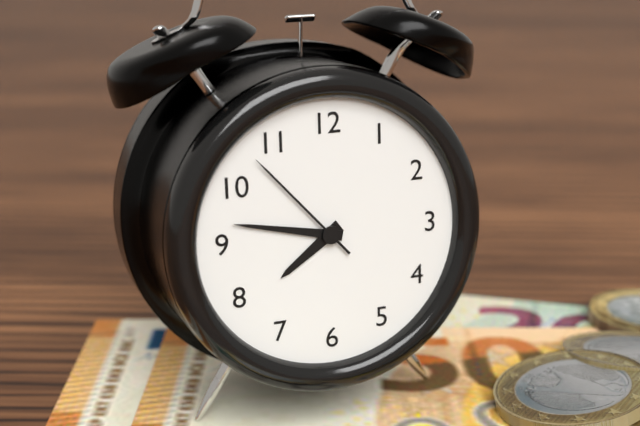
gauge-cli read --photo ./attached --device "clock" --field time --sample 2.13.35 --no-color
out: 7.47.53
